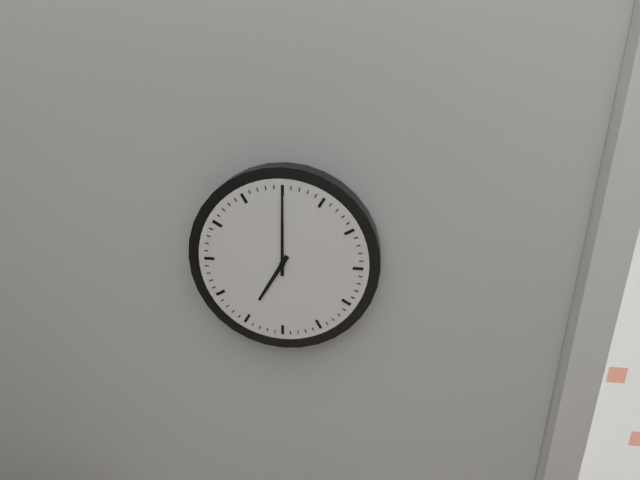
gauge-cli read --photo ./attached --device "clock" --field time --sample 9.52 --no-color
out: 7.00
